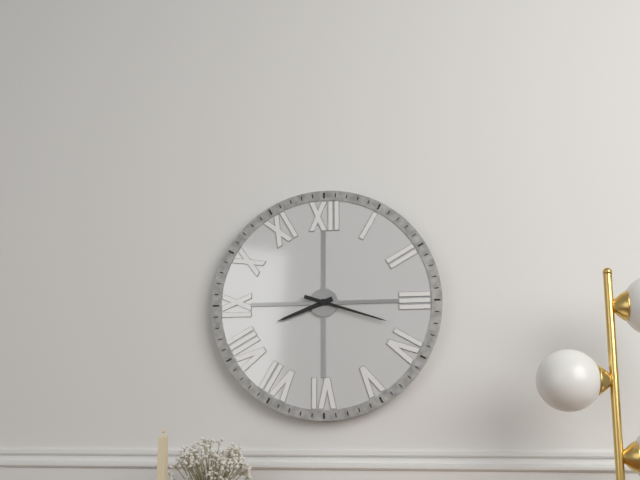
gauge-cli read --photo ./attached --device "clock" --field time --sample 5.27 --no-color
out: 8.18
